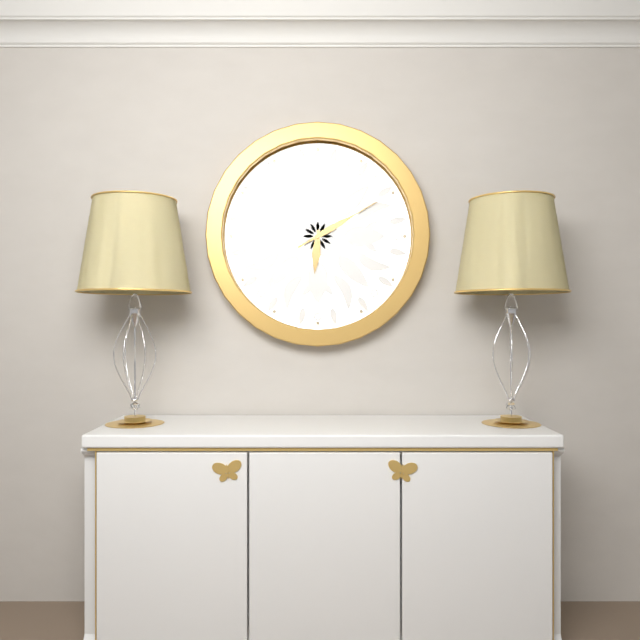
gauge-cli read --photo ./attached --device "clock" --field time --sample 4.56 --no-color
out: 6.10
